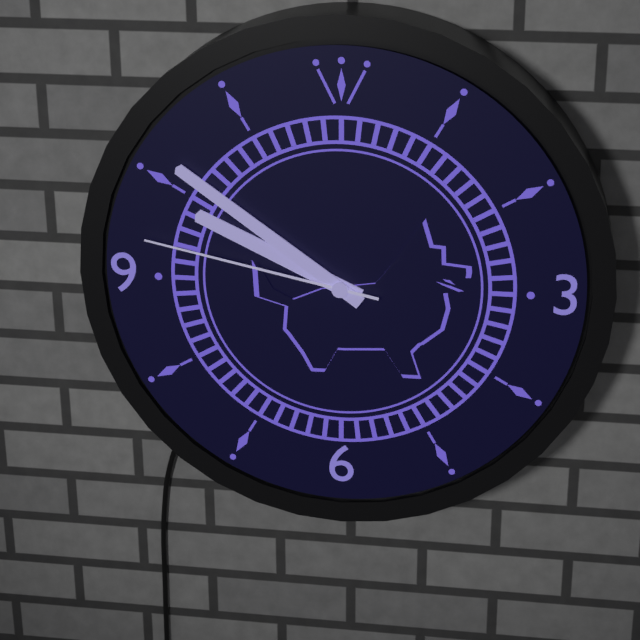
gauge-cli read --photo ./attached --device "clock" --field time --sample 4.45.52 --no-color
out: 9.51.47
